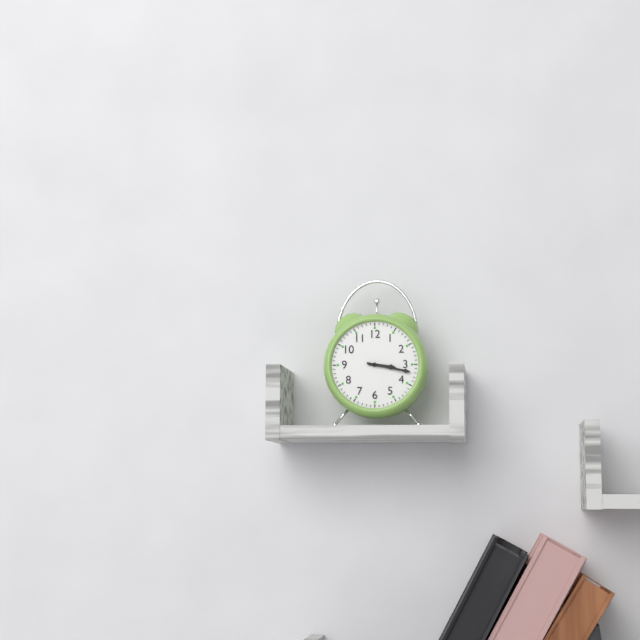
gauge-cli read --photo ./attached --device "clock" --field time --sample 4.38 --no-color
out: 3.17
